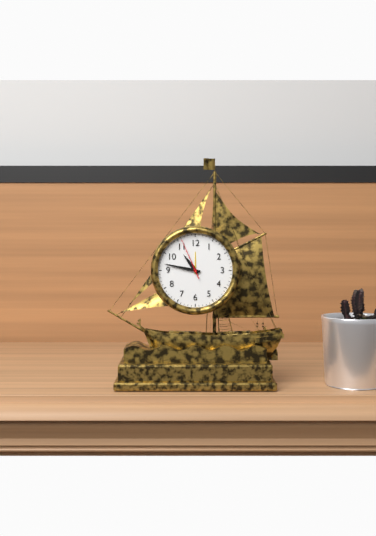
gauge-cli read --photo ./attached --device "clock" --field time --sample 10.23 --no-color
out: 10.47
